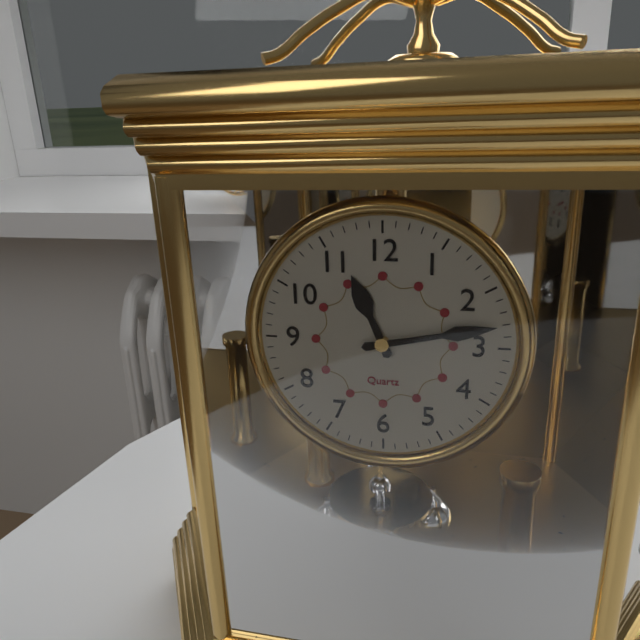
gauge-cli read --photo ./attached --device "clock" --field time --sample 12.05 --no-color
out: 11.13
